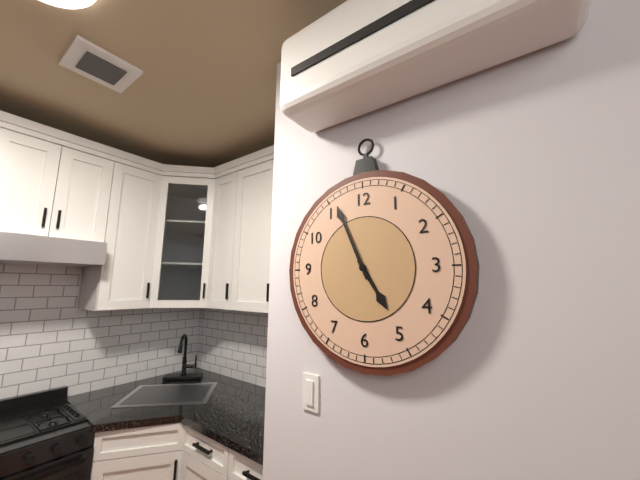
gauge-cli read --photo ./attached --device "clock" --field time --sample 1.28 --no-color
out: 4.56
